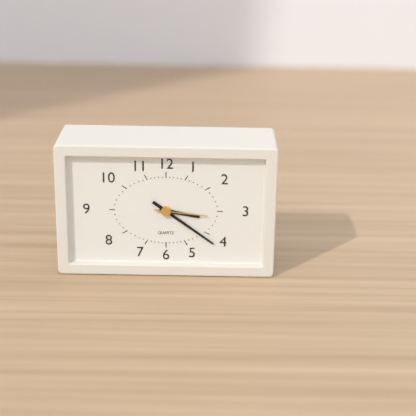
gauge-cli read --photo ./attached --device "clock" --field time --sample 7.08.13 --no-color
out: 3.21.16
